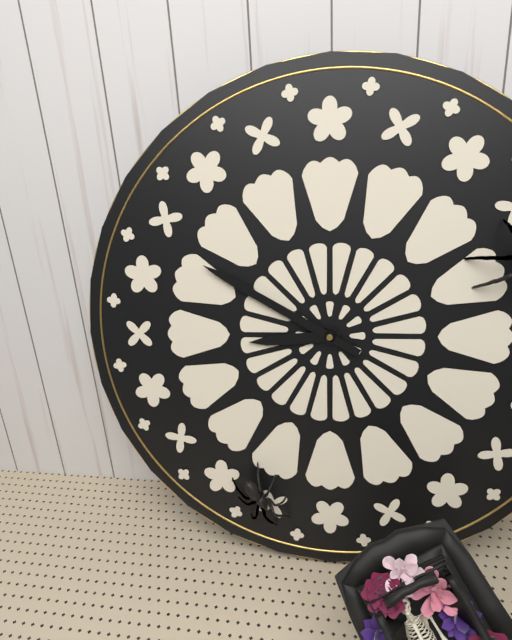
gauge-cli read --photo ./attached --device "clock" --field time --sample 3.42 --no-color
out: 8.50
